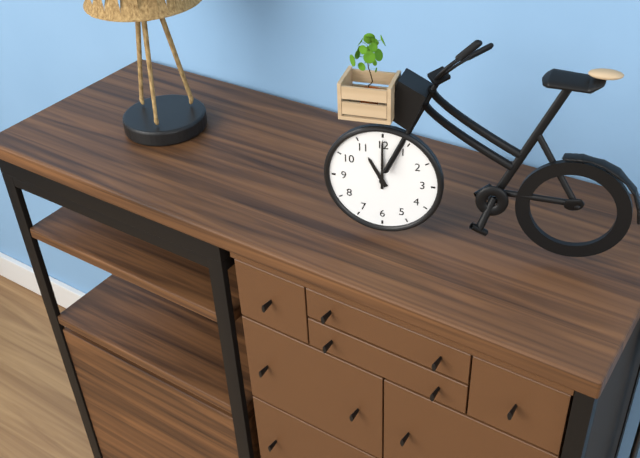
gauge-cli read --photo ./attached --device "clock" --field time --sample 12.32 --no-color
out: 11.00
